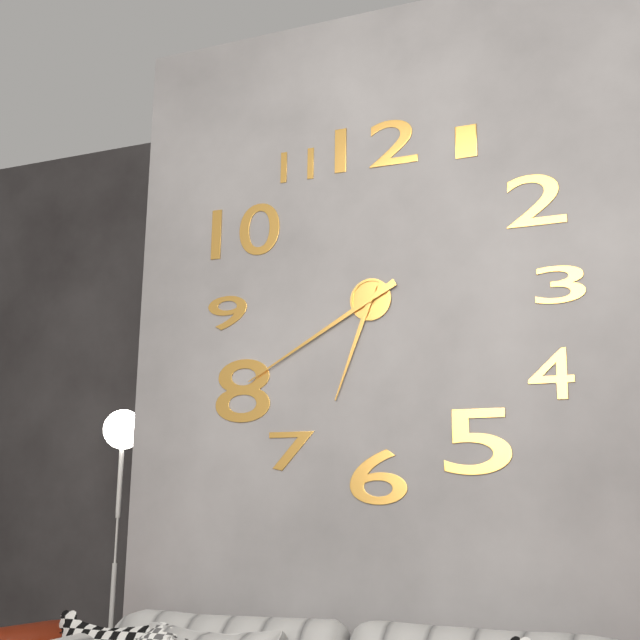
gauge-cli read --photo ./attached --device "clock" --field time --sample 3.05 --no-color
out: 6.40
